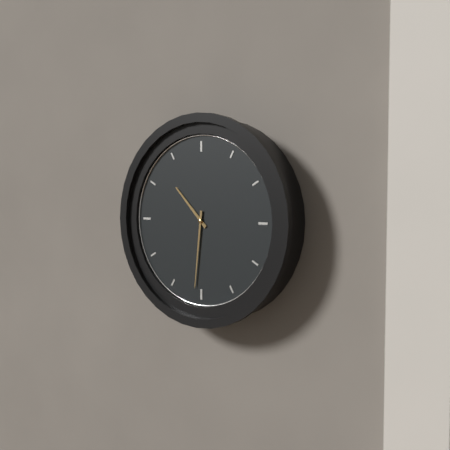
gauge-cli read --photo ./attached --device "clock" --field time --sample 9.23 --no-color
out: 10.31
